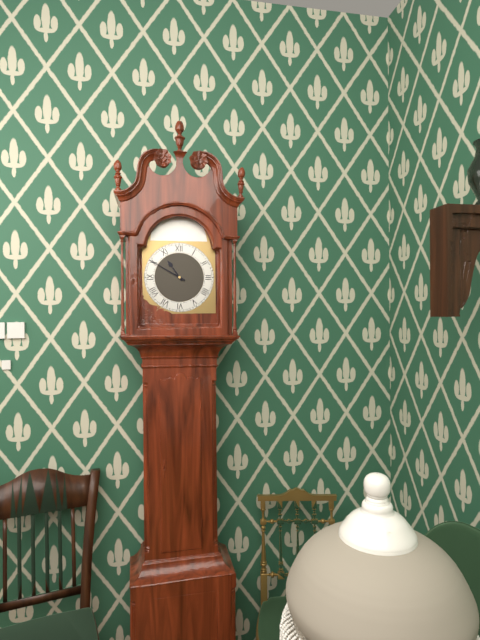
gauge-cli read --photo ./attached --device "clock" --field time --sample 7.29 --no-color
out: 10.50
